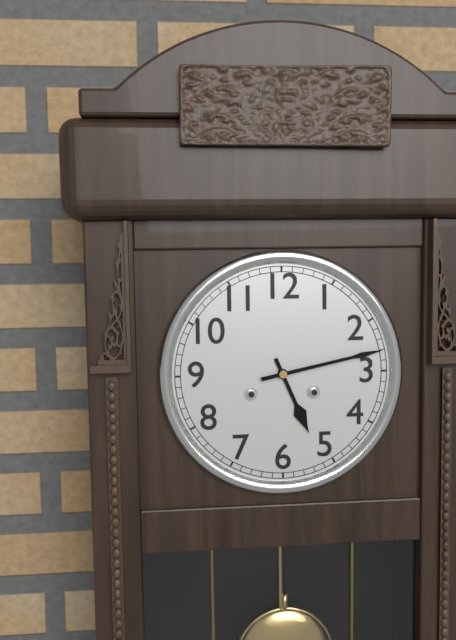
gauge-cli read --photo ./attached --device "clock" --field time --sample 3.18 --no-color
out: 5.13
